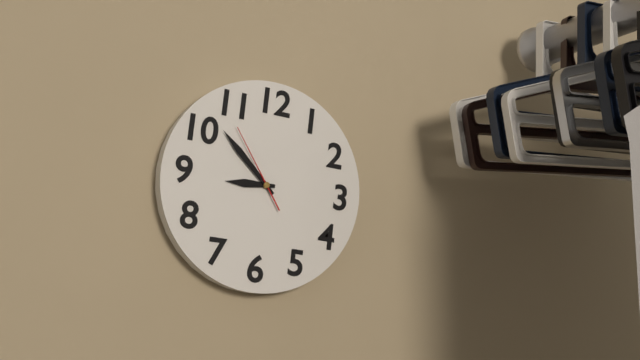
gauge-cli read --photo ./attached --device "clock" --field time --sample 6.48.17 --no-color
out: 8.52.54
